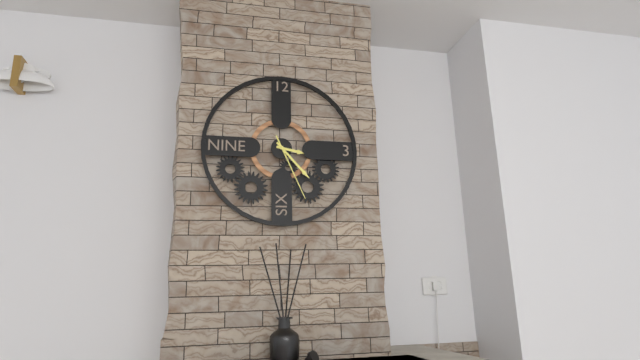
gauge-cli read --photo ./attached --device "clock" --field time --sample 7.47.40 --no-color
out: 3.23.26
